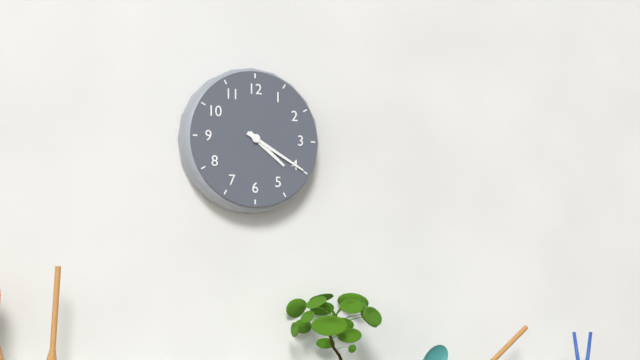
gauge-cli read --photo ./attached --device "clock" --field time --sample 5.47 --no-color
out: 4.20
